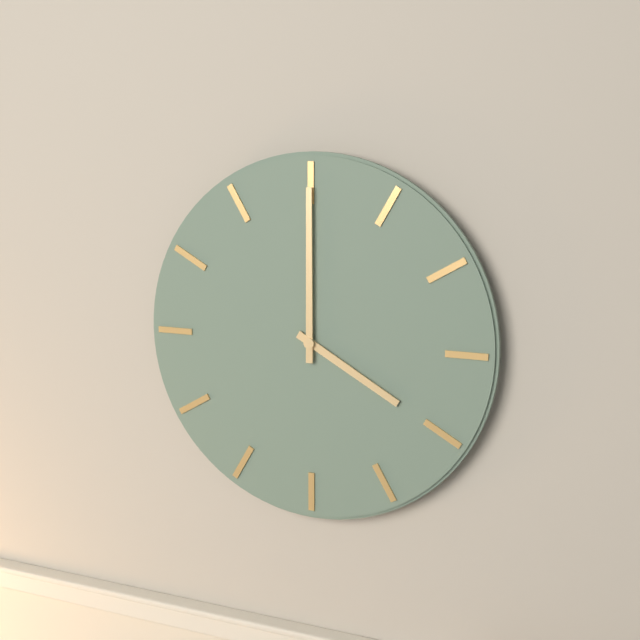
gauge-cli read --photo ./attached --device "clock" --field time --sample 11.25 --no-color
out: 4.00
